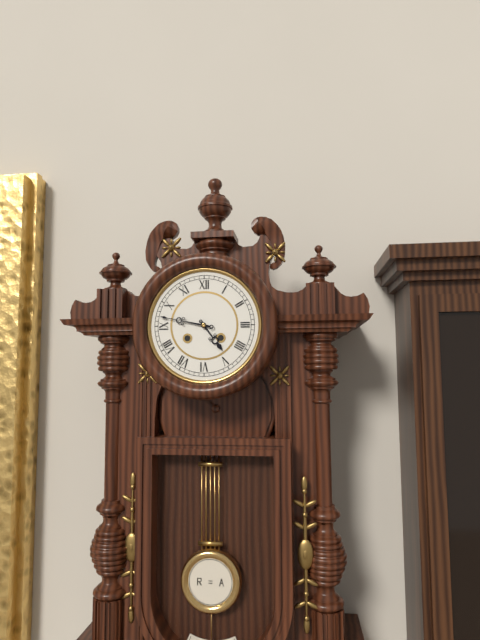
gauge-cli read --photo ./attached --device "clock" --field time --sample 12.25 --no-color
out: 4.47
